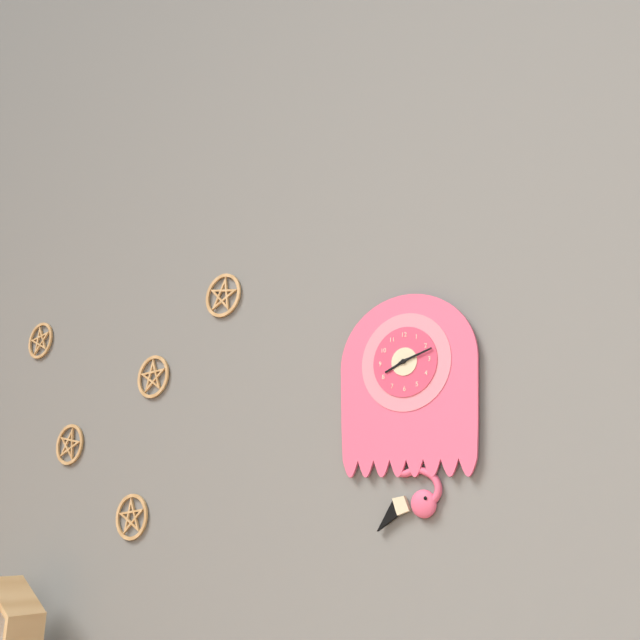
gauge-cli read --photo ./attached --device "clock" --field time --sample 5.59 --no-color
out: 8.12
